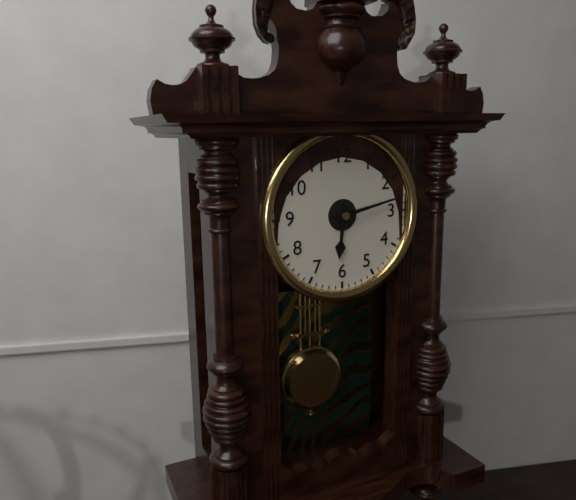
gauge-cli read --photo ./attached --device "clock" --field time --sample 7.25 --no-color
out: 6.13
